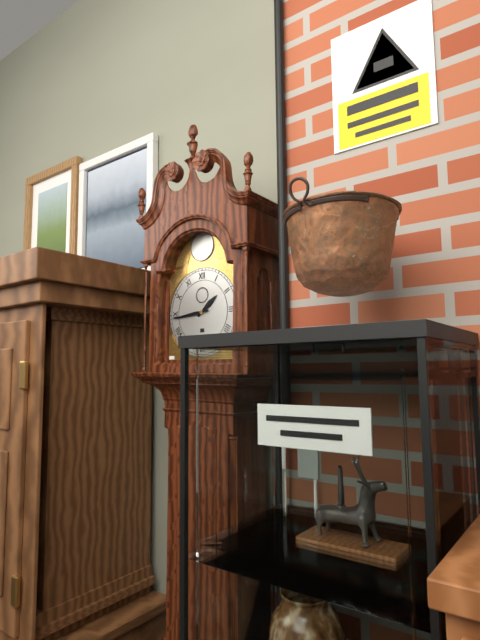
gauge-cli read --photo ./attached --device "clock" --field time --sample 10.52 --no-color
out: 1.44
